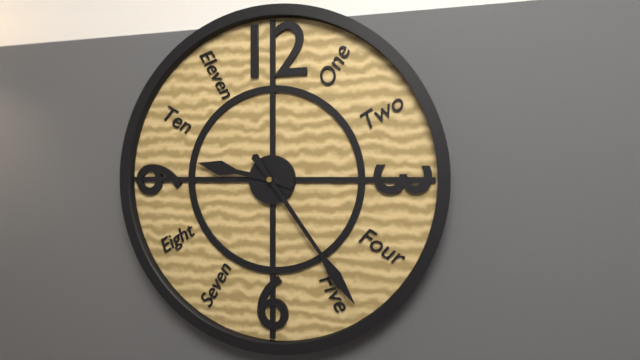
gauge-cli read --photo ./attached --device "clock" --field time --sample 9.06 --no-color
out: 9.24
